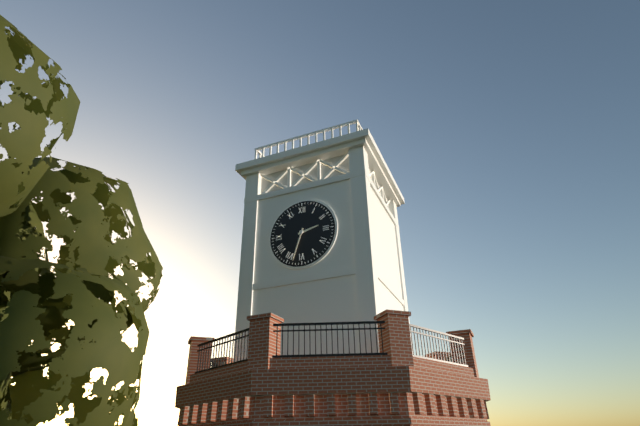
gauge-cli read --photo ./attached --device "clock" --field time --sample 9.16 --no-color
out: 2.33
